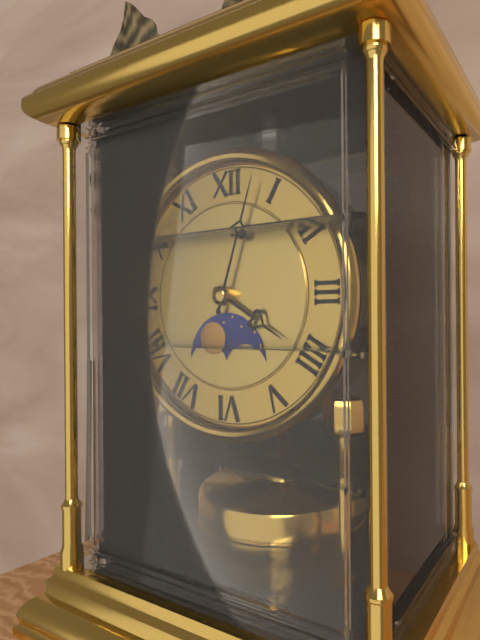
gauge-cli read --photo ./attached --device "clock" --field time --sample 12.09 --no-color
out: 4.03
